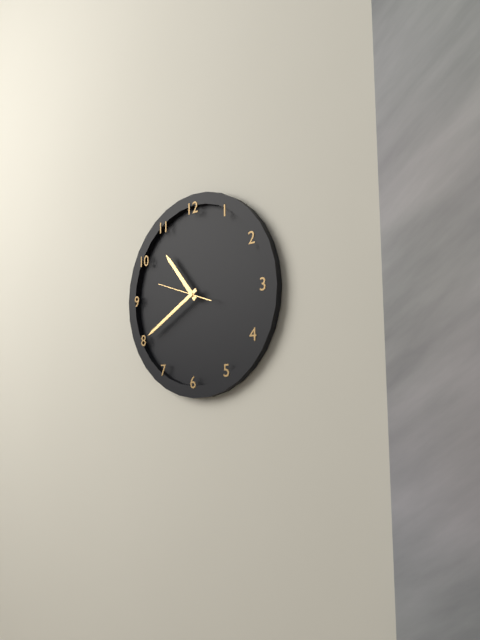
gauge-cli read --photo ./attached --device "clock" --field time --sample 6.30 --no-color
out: 10.40
